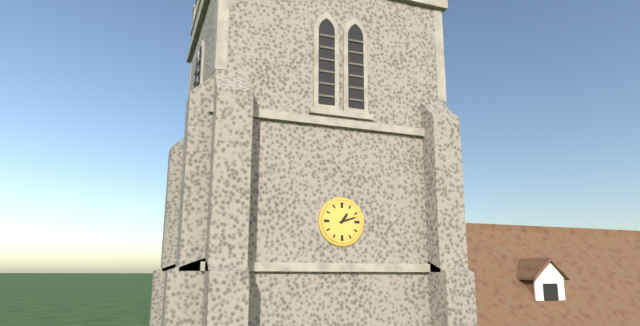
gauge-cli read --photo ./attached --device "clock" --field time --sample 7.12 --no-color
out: 1.12
